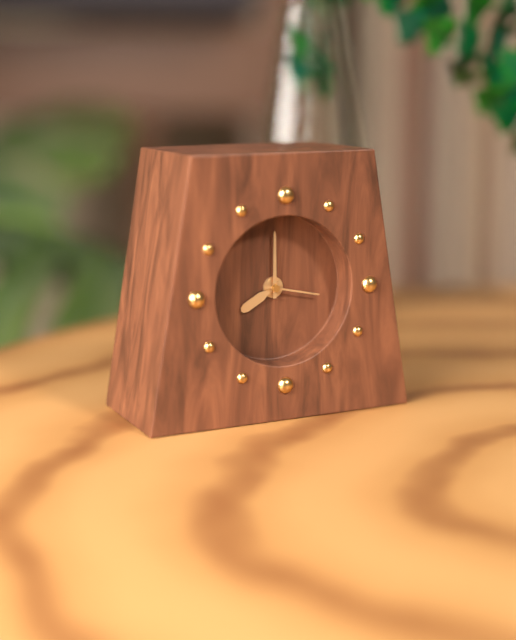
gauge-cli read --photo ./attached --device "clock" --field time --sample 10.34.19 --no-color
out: 8.00.17
